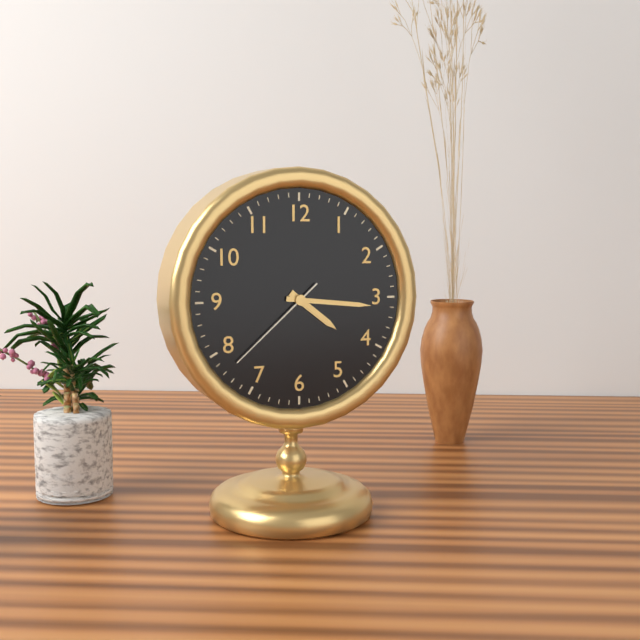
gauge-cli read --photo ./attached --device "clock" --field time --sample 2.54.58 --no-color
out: 4.16.38
